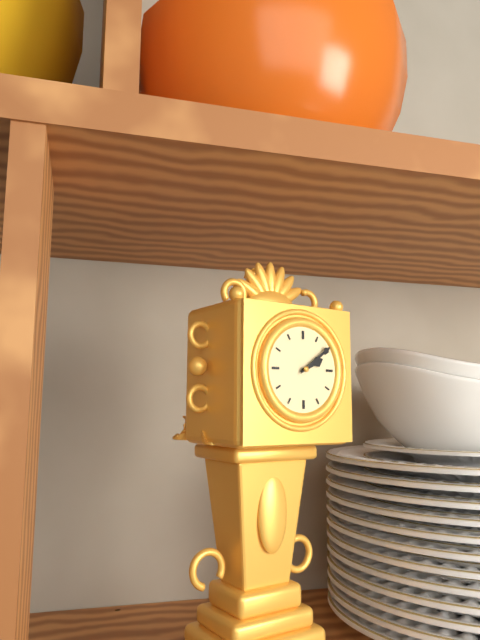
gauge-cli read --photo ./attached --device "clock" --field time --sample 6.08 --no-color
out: 2.09
